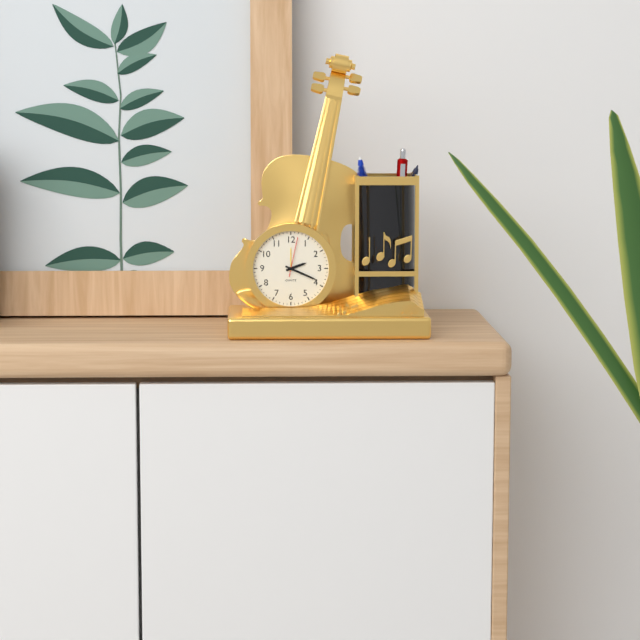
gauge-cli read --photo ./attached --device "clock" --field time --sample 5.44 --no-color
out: 2.19
